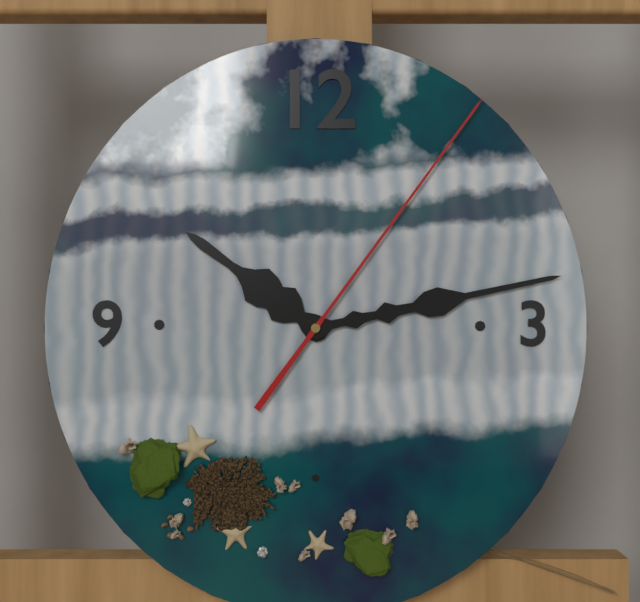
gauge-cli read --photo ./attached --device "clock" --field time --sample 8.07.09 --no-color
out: 10.13.06
